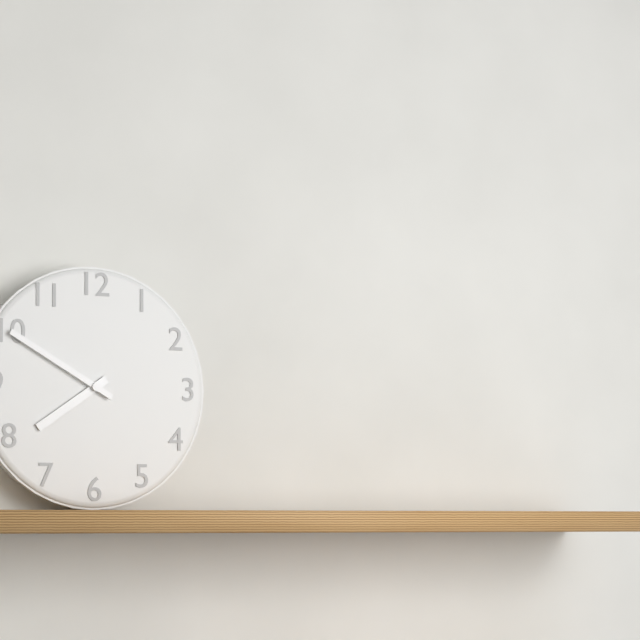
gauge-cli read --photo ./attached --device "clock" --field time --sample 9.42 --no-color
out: 7.50
